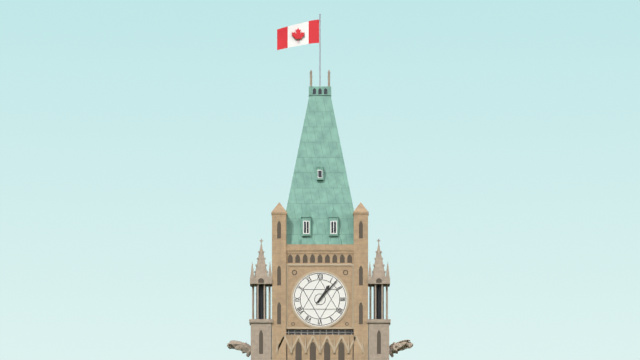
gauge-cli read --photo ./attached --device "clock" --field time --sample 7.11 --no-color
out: 1.07
